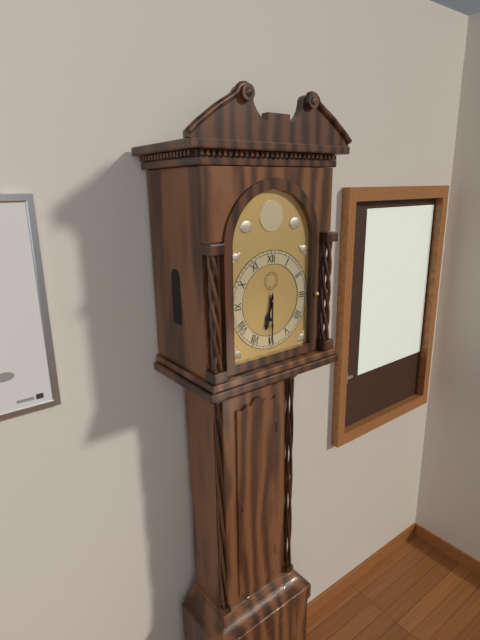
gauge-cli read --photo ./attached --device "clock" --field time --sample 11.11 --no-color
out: 6.30
